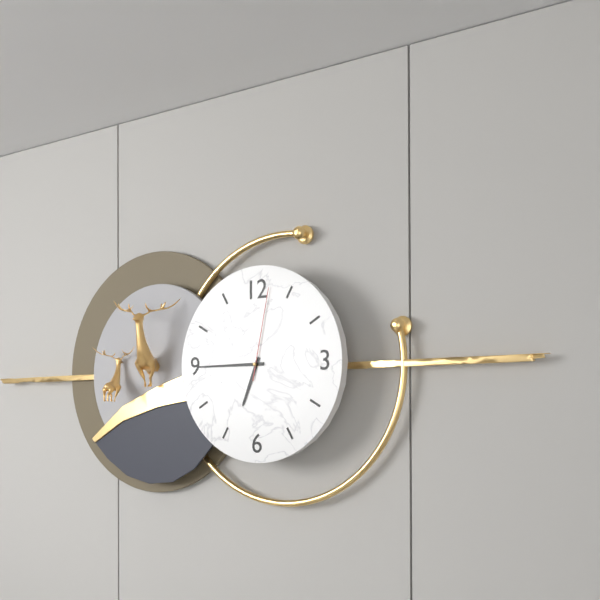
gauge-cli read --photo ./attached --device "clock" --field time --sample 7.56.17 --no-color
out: 6.45.02
